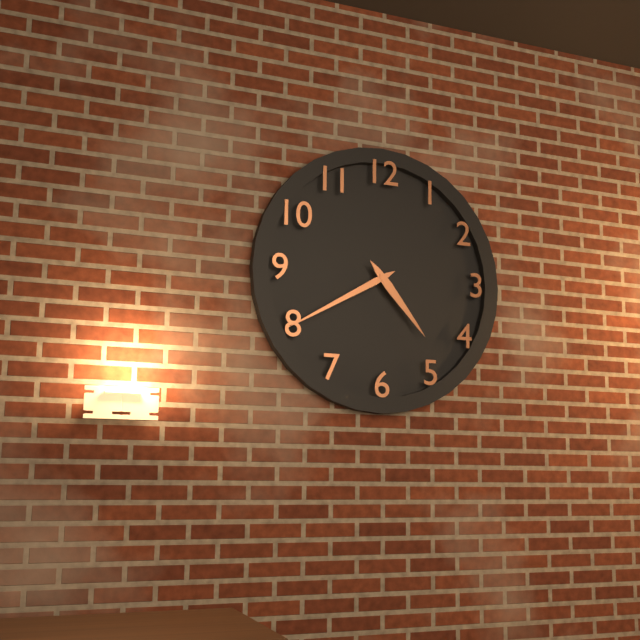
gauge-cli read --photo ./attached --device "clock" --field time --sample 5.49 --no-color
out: 4.40
